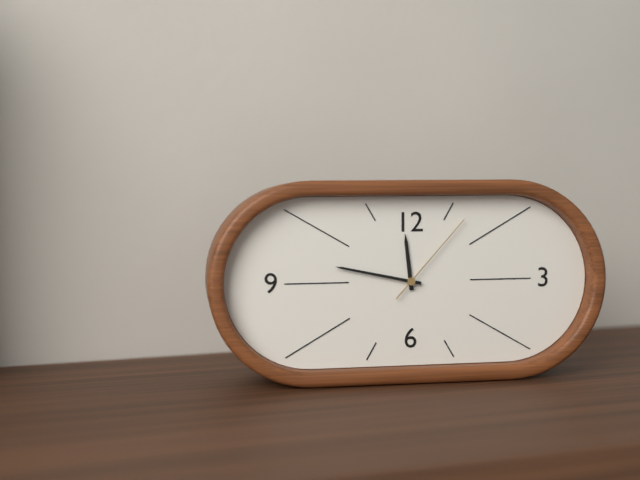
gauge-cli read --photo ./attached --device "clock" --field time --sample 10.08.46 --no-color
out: 11.47.07
